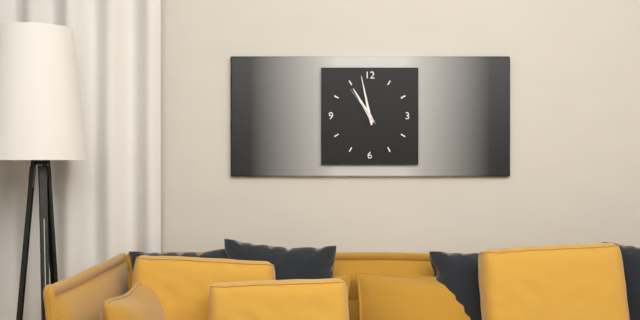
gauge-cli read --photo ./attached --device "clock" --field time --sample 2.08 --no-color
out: 10.58
